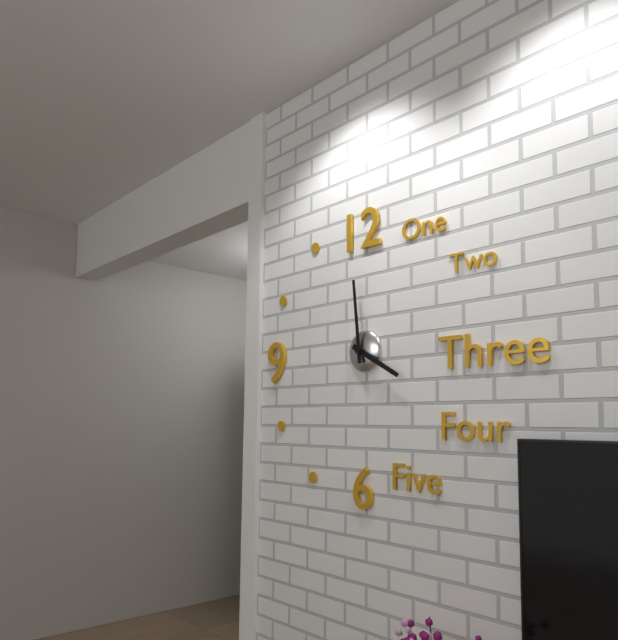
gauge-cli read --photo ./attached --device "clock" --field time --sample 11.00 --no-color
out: 3.59
